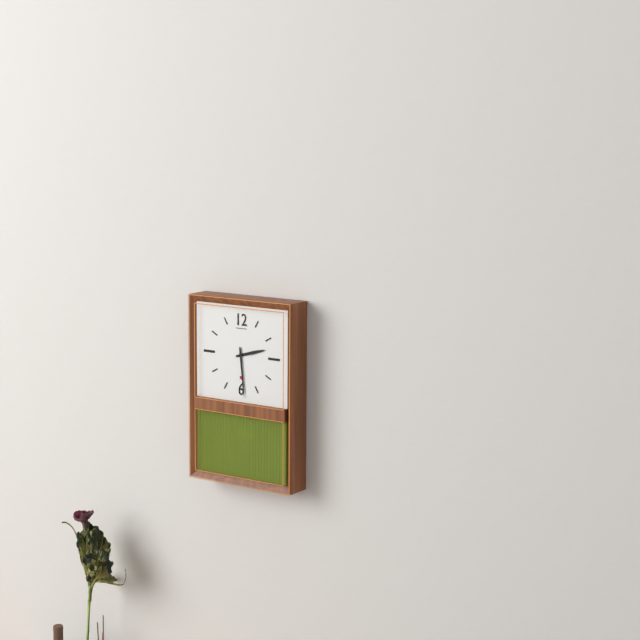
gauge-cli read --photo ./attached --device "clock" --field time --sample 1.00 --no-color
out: 2.29
